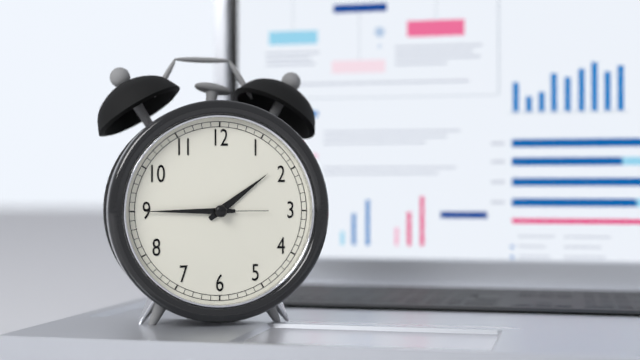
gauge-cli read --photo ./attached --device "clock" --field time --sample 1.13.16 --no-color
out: 1.45.15
